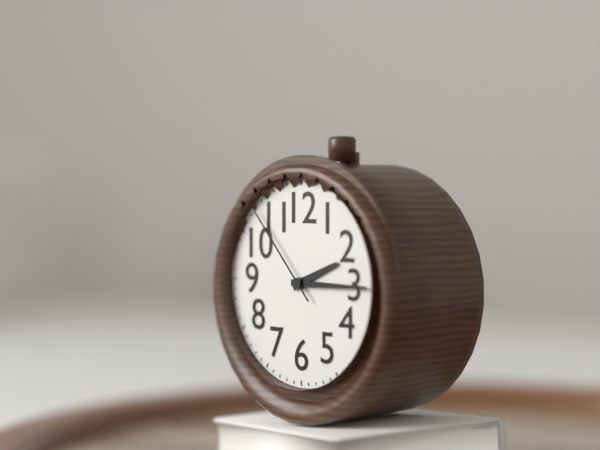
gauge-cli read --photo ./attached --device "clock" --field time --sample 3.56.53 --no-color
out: 2.15.53
